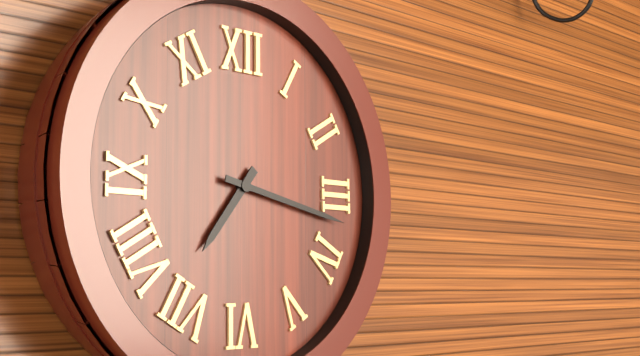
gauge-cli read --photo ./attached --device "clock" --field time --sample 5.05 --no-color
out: 7.17
